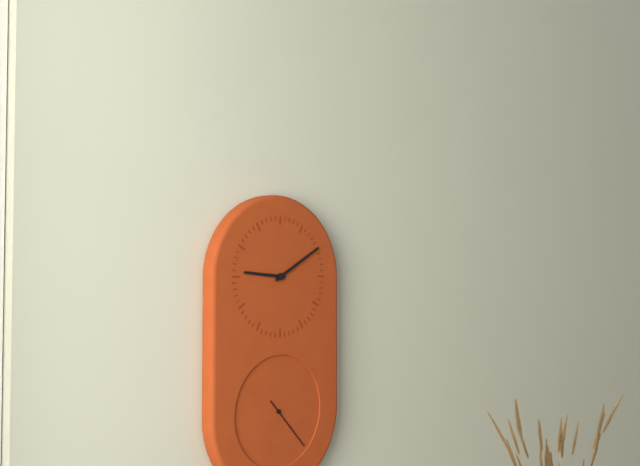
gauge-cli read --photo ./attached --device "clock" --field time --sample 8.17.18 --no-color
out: 9.10.23
